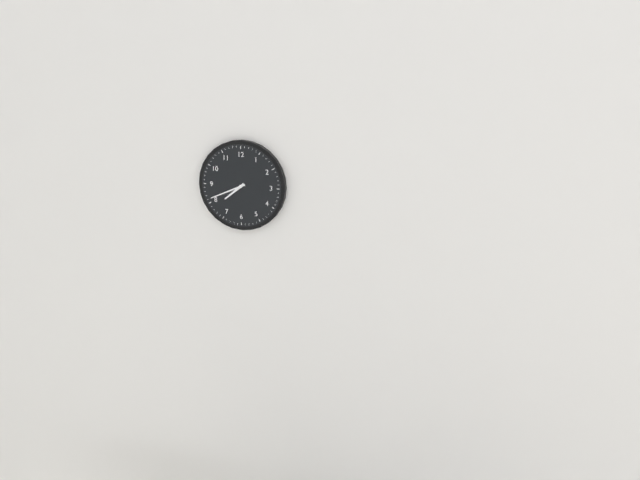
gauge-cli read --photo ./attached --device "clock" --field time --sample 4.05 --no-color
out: 7.41
